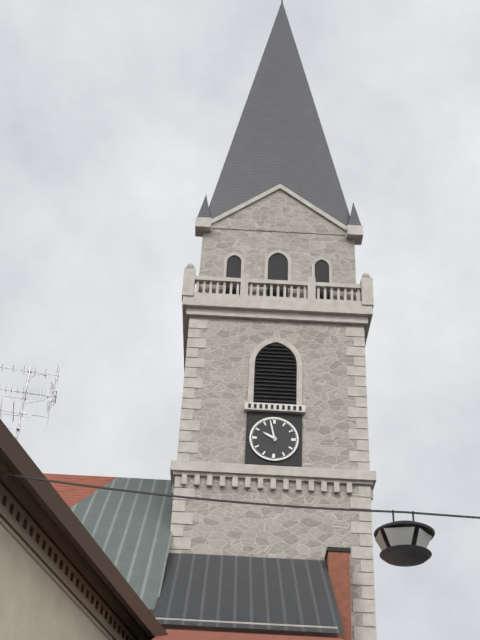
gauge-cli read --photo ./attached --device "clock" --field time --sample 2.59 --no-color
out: 9.58
